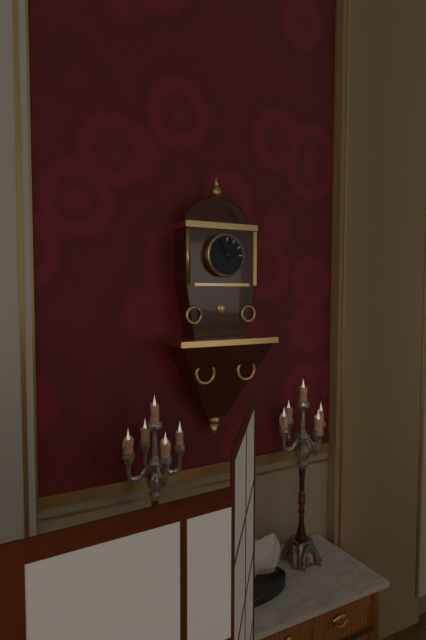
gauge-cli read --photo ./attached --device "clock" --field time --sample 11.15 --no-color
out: 9.55
